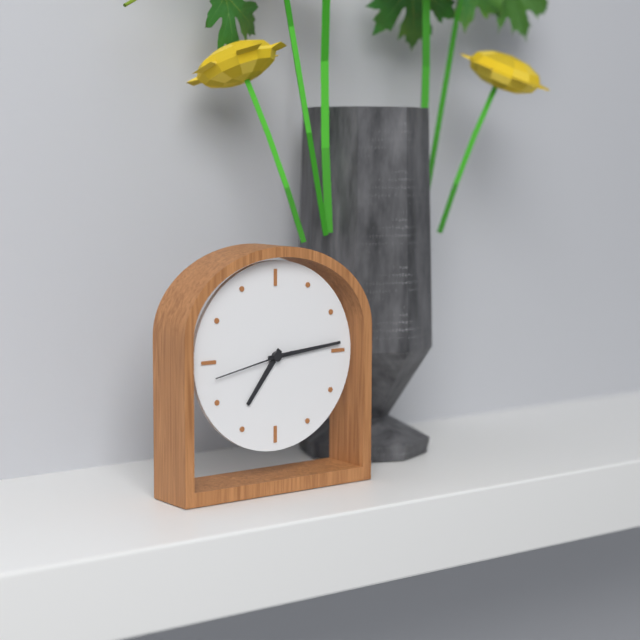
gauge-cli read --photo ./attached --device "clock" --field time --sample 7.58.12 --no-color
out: 7.14.43
